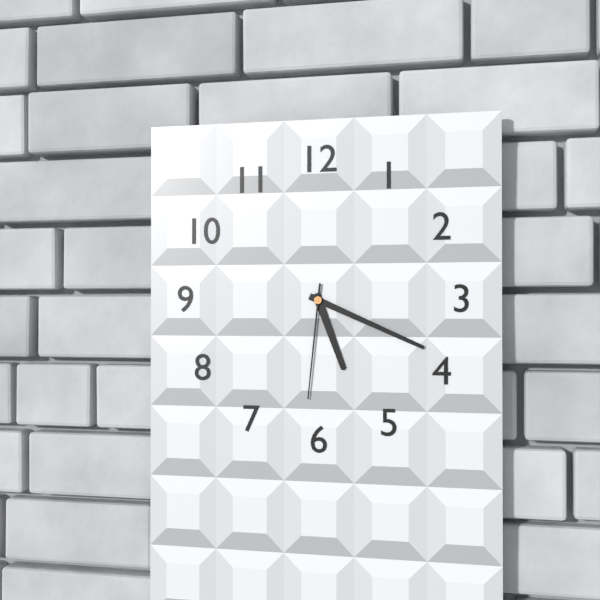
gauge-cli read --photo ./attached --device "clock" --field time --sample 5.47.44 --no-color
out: 5.19.31
